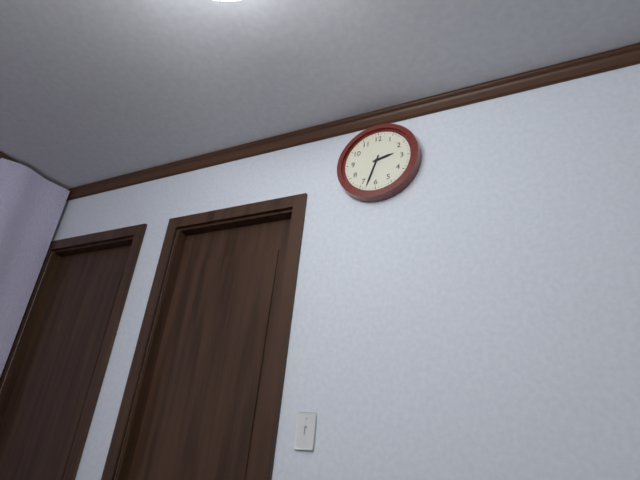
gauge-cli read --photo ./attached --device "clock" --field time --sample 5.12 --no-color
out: 2.33
